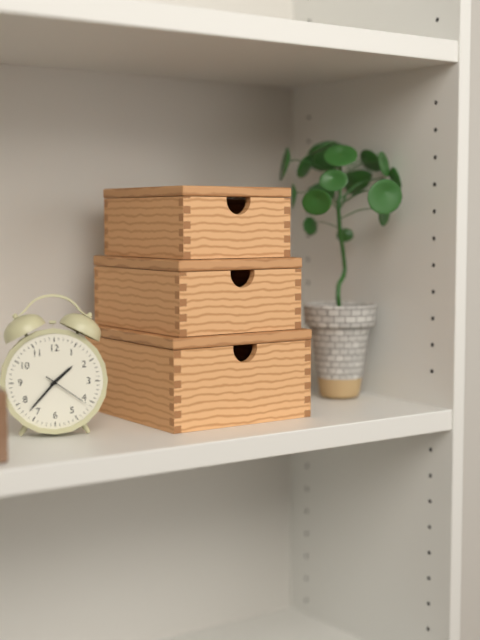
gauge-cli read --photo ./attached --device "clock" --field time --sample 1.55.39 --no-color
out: 1.37.21
